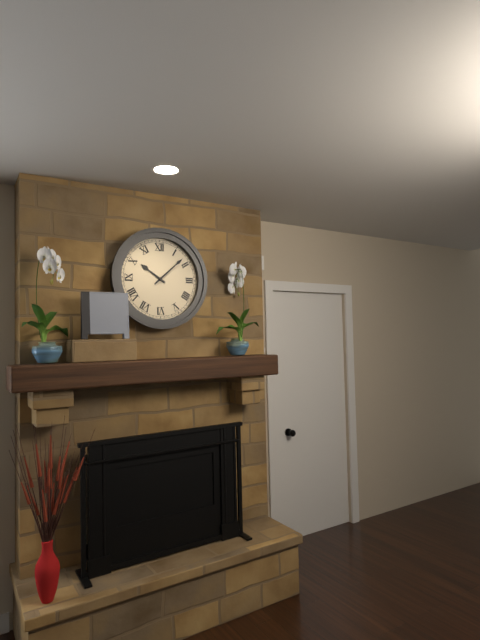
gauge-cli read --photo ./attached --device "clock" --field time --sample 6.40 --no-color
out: 10.08
